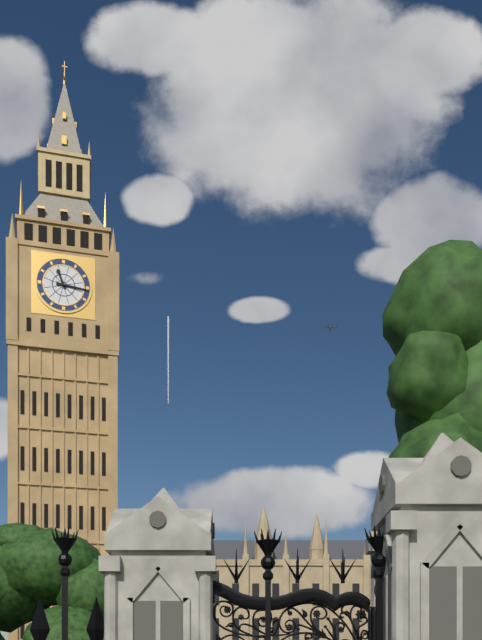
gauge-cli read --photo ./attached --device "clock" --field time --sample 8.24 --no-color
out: 11.16
